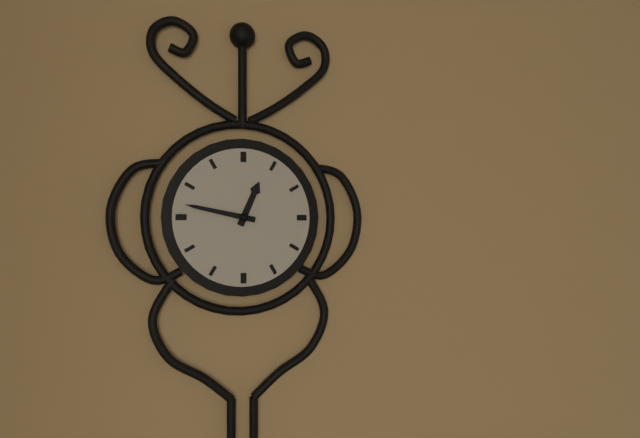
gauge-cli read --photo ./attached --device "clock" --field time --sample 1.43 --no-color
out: 12.47
